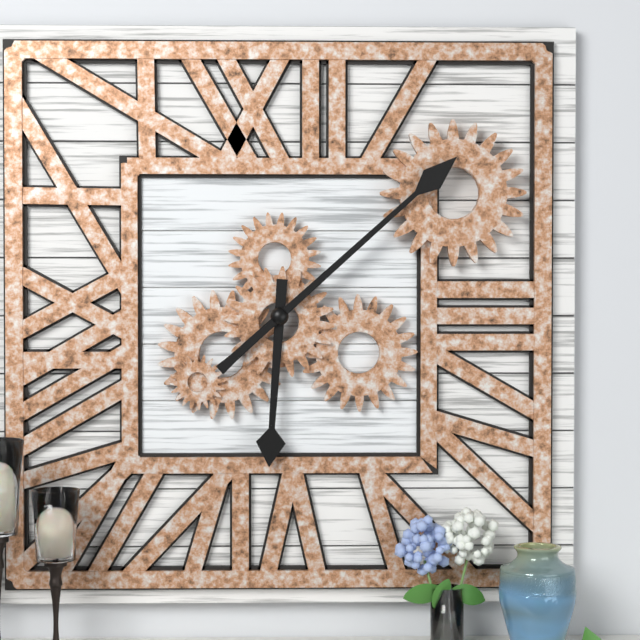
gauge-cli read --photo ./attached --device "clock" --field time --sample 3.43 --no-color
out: 6.08
